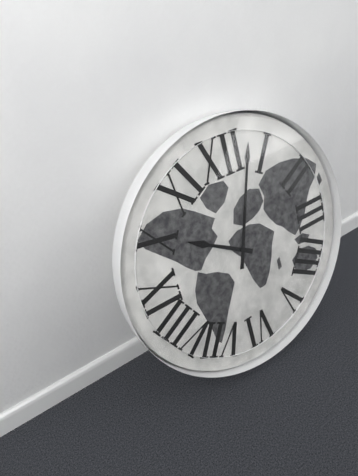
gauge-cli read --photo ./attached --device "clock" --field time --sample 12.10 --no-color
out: 10.03
